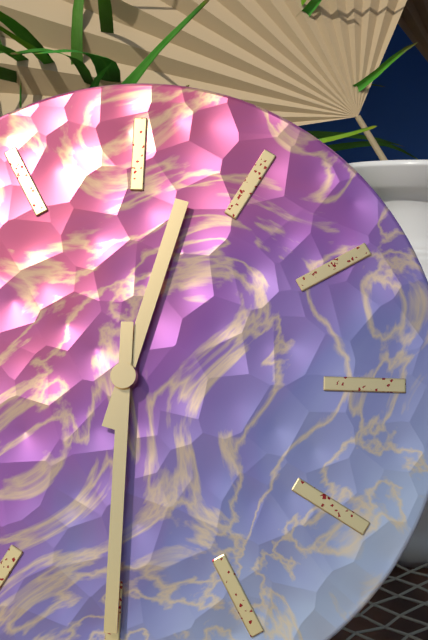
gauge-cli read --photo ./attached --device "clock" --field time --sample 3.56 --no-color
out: 12.30
